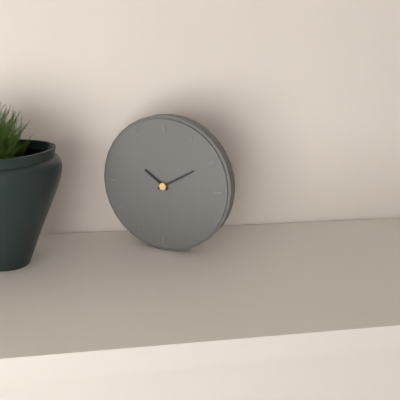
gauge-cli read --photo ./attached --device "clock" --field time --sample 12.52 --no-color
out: 10.10
